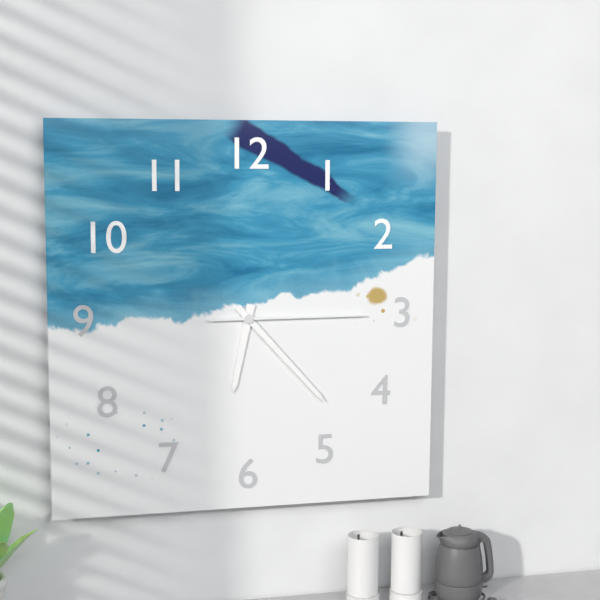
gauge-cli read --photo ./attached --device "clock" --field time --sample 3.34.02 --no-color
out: 6.23.15
